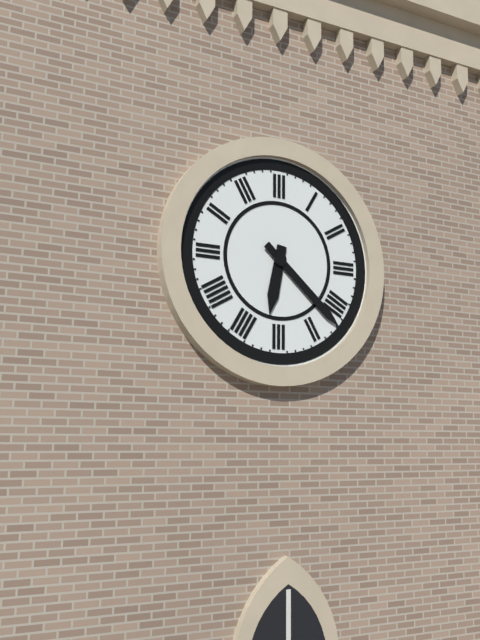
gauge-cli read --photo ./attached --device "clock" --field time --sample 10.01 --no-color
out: 6.22
